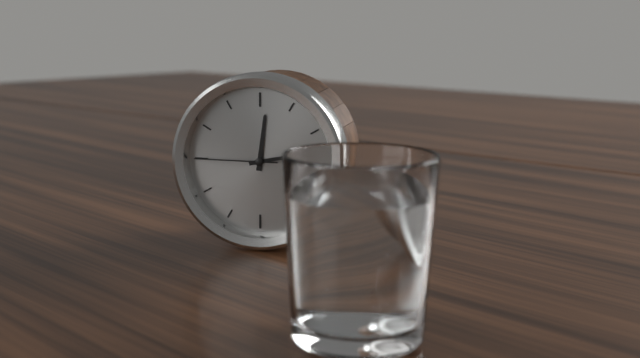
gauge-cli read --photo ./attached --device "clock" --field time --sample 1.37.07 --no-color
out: 12.13.45
